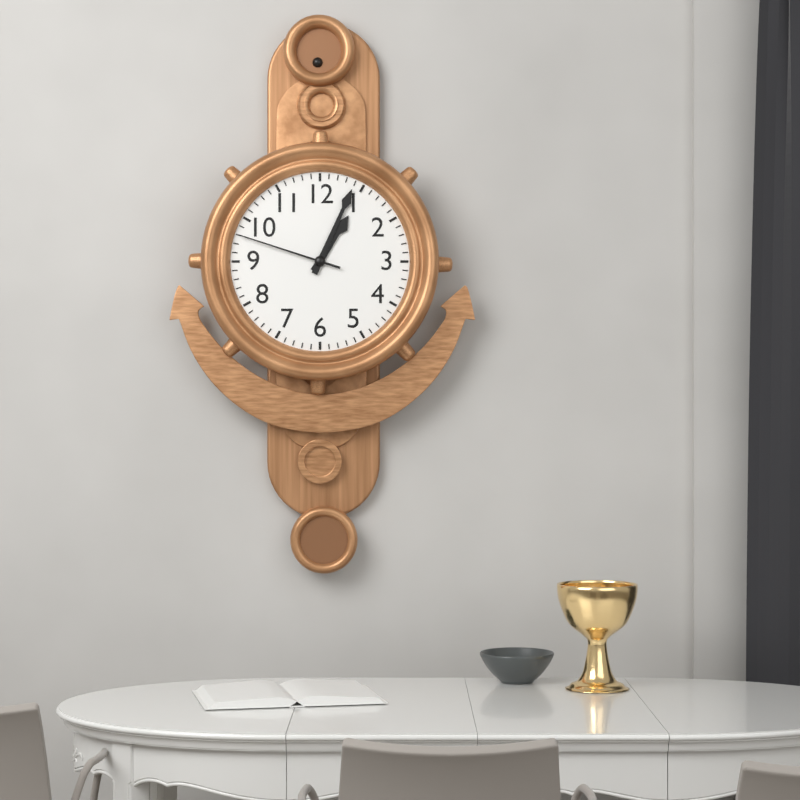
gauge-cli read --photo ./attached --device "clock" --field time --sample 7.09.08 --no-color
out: 1.04.48
